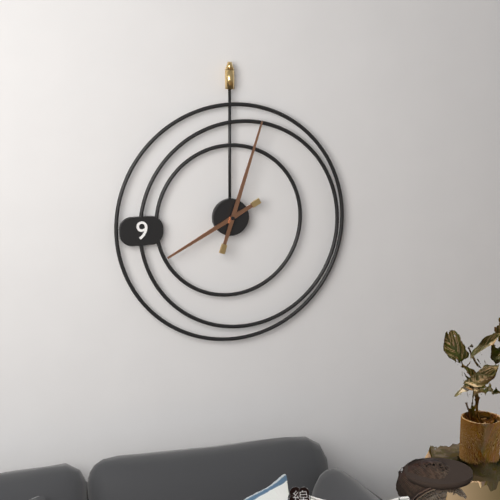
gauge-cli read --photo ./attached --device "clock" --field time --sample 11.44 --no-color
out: 8.03
